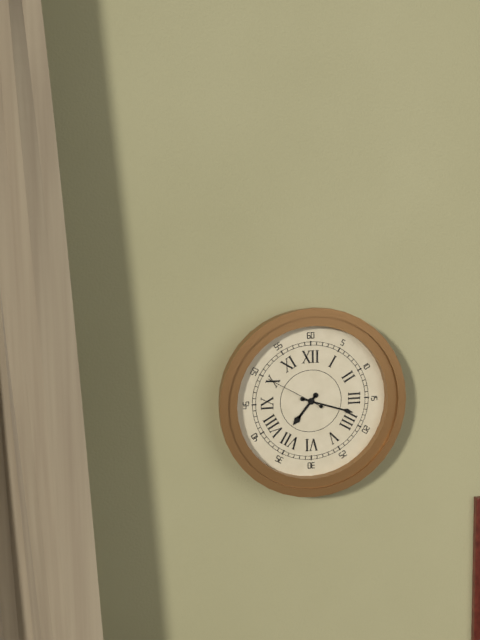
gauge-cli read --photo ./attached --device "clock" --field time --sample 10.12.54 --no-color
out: 7.18.50
